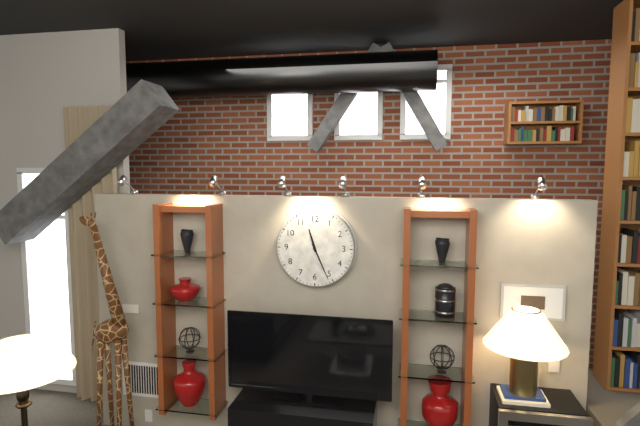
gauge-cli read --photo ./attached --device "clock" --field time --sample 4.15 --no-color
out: 11.26
